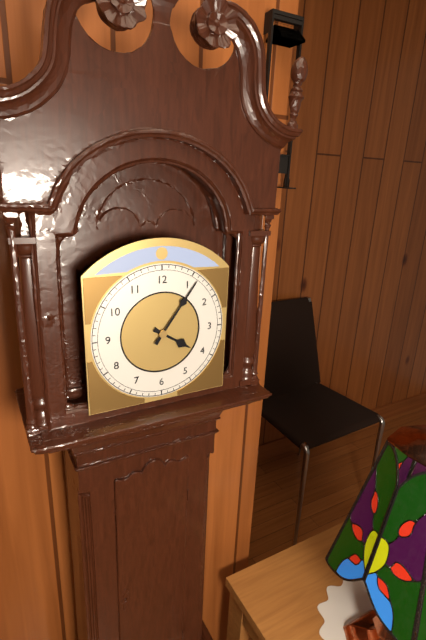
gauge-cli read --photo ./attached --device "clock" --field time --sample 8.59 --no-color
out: 4.06
